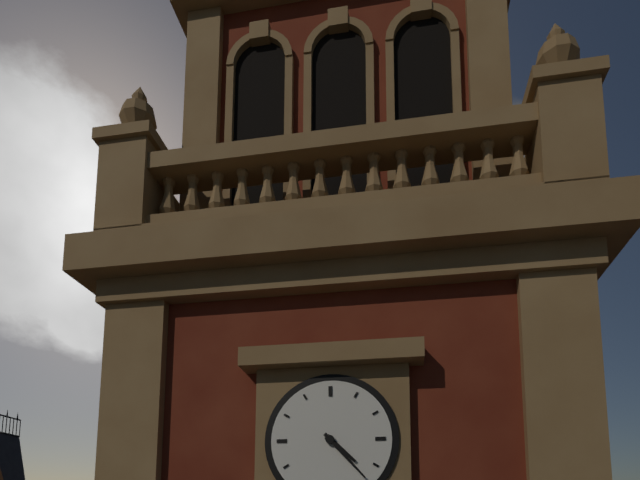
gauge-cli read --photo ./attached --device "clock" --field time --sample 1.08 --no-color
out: 4.23
